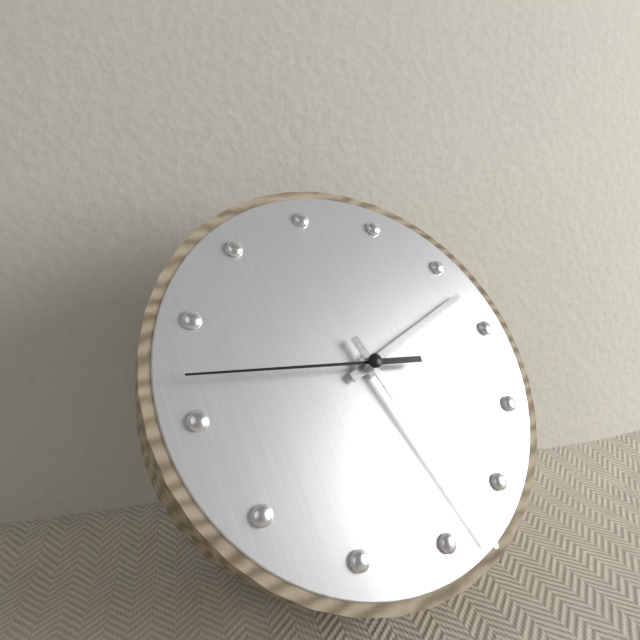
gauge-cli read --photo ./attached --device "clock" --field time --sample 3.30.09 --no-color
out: 2.28.47
